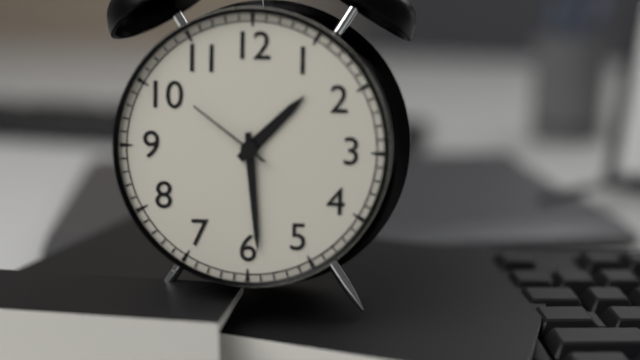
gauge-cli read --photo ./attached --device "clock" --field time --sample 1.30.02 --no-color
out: 1.29.51
